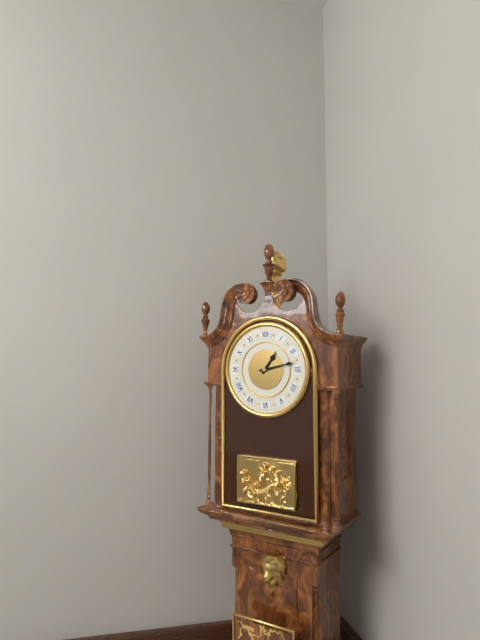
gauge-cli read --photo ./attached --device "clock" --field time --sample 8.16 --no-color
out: 1.13
